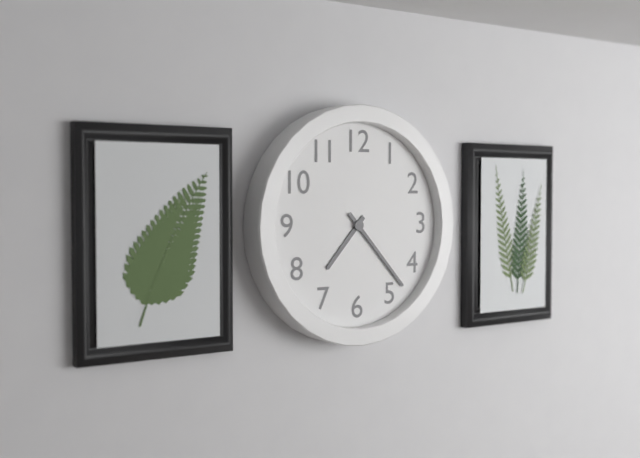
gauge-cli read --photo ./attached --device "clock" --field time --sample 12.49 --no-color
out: 7.23
